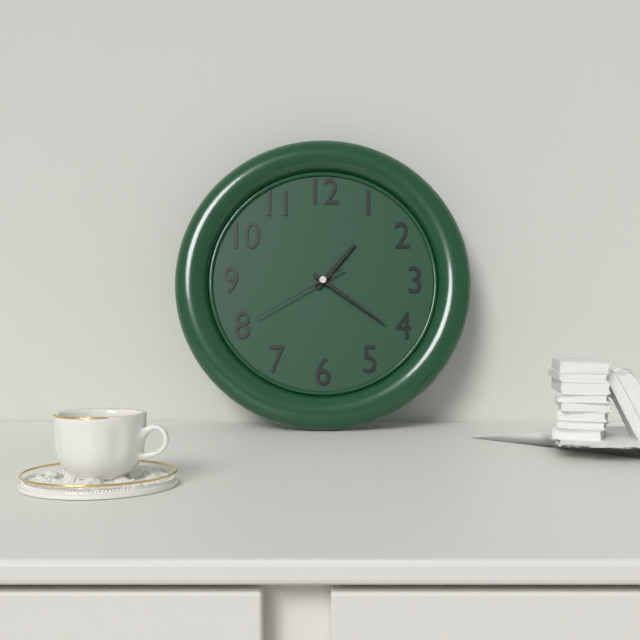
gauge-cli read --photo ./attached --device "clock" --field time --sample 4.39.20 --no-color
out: 1.21.40
